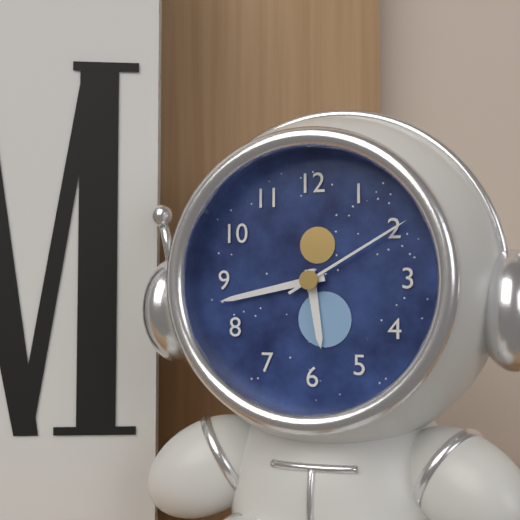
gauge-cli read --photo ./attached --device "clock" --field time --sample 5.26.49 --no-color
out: 5.43.10
